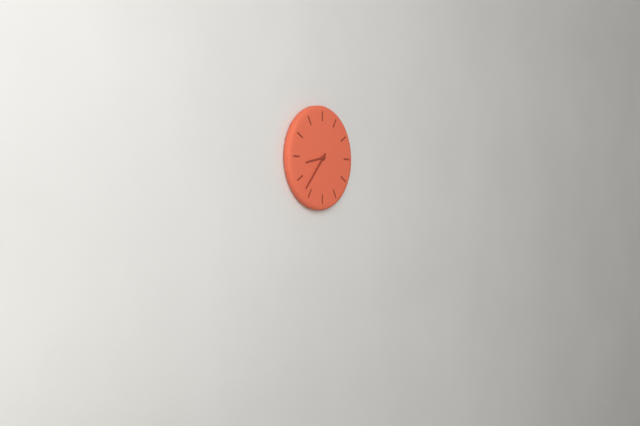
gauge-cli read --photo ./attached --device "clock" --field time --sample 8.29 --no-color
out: 8.37
